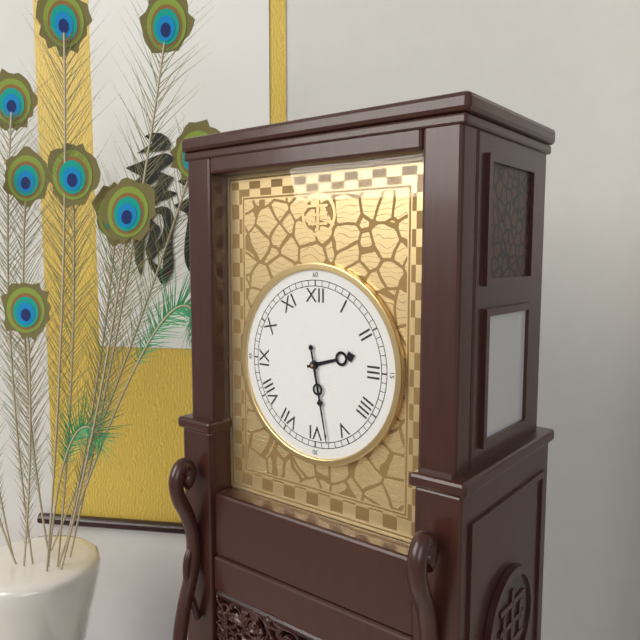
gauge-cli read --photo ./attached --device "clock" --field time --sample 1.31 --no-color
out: 2.28
